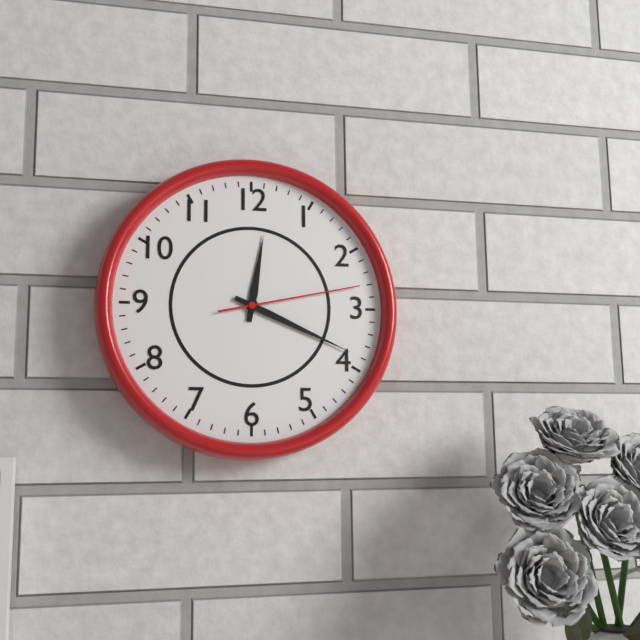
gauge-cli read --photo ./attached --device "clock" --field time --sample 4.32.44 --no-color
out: 12.19.13
